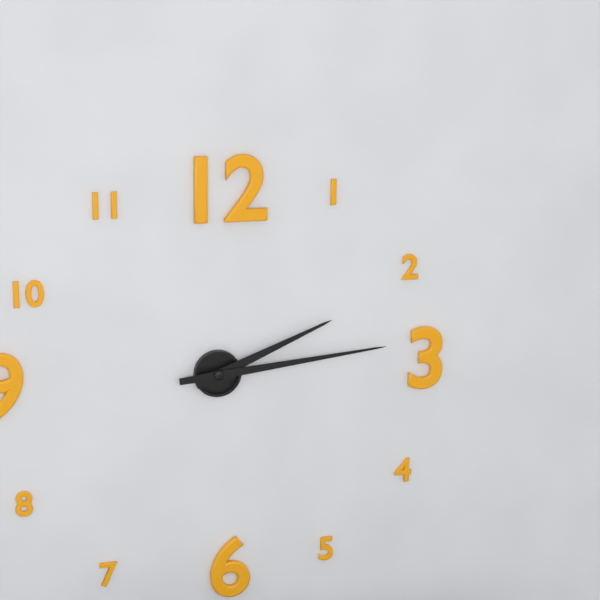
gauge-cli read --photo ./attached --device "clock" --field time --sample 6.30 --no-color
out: 2.14
